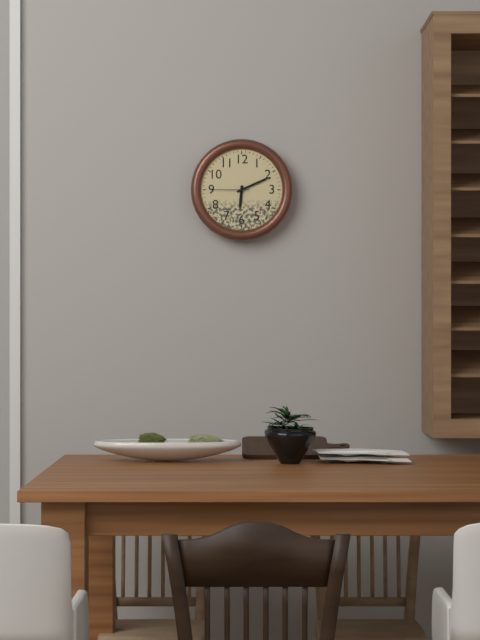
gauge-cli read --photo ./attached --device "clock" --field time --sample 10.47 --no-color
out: 6.11
